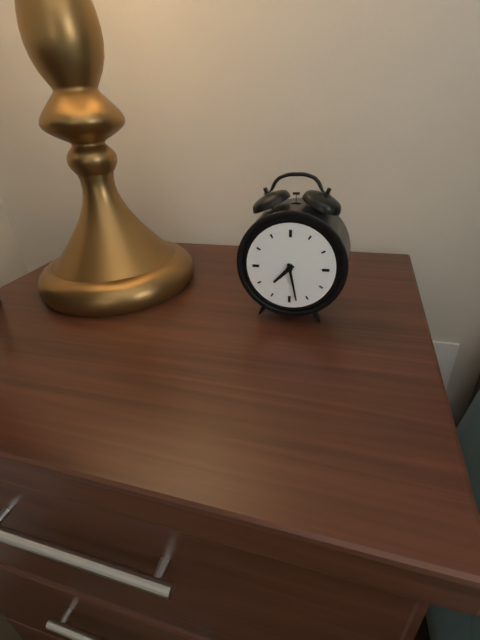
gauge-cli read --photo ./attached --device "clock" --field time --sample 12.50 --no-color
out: 7.28
